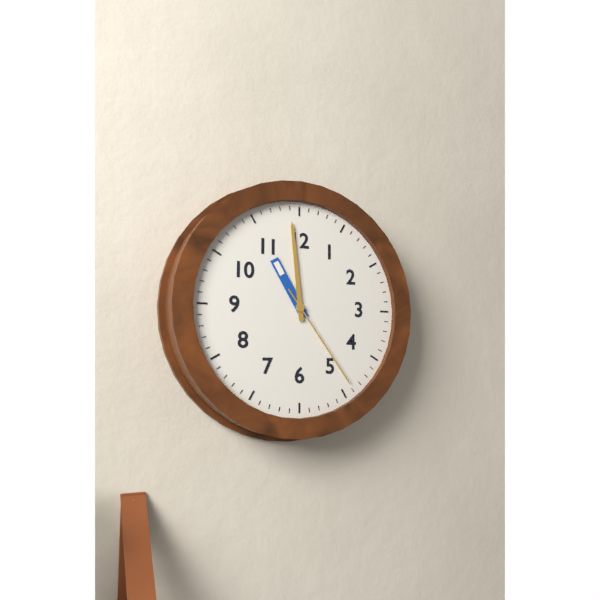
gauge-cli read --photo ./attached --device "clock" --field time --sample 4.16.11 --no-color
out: 10.59.24
